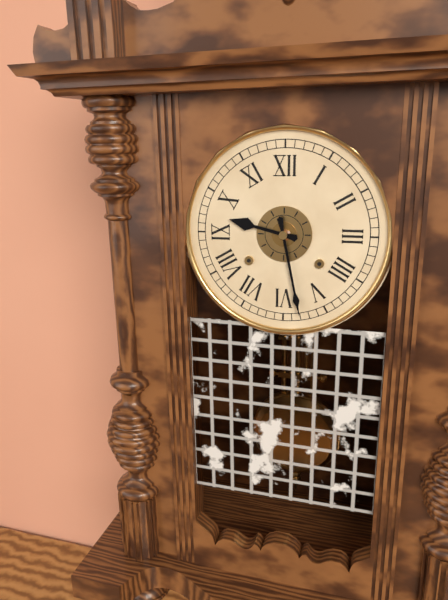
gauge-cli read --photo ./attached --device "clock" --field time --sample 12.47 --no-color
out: 9.28
